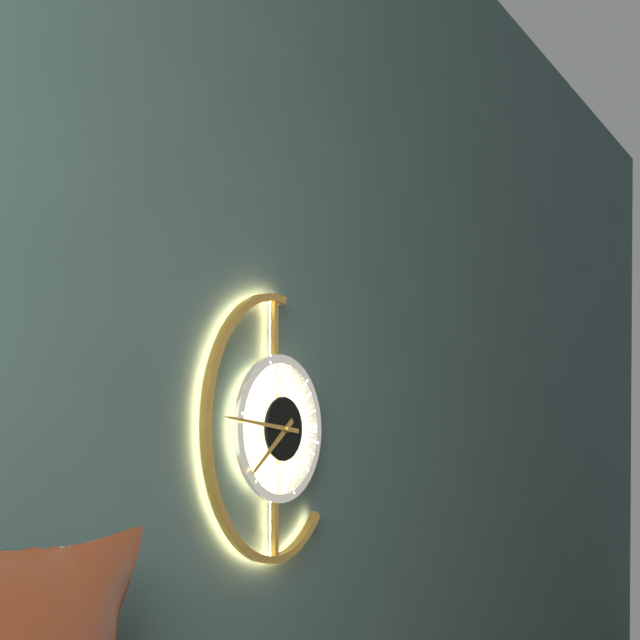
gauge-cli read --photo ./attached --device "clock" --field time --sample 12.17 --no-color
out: 7.46
